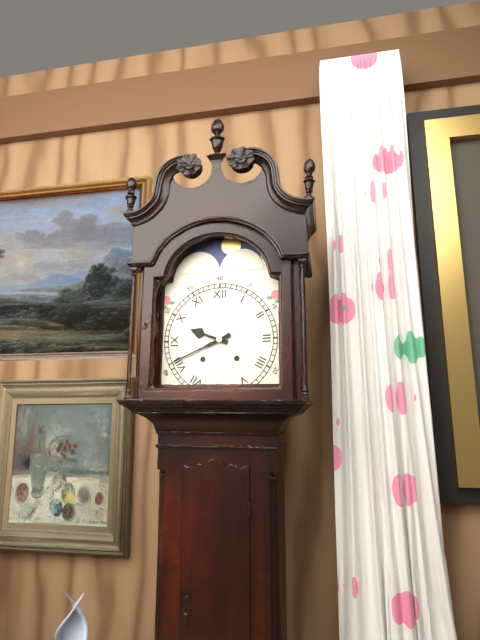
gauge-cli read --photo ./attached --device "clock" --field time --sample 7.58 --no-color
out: 9.41
